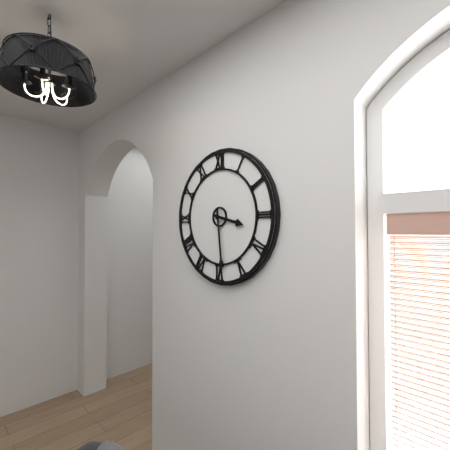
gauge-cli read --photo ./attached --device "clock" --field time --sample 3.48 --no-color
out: 3.29
